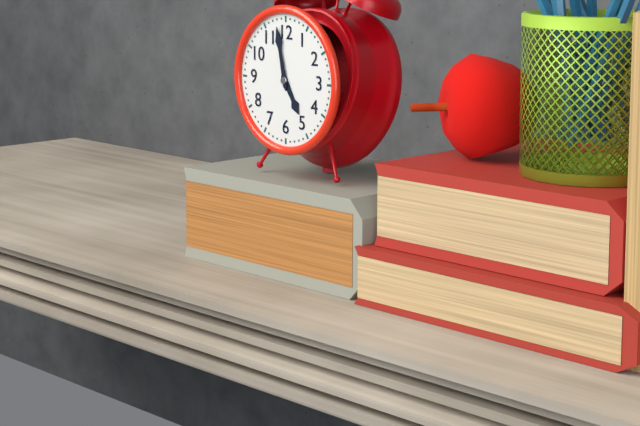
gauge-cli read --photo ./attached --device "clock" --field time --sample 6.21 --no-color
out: 4.58
